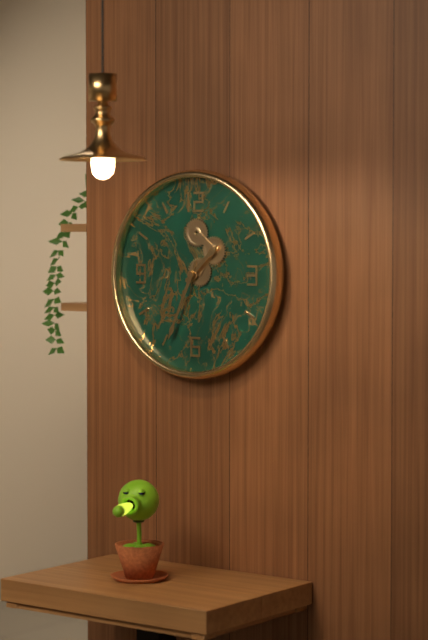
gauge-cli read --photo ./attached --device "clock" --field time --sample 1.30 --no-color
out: 1.34
